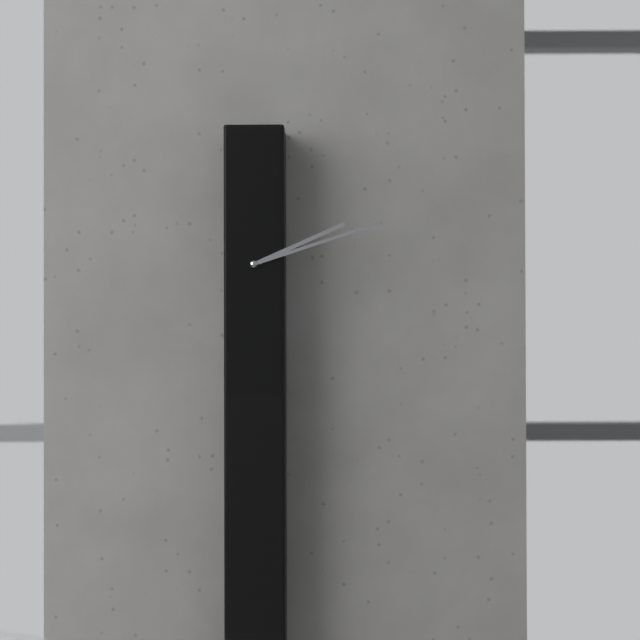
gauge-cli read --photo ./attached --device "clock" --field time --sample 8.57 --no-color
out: 2.12
